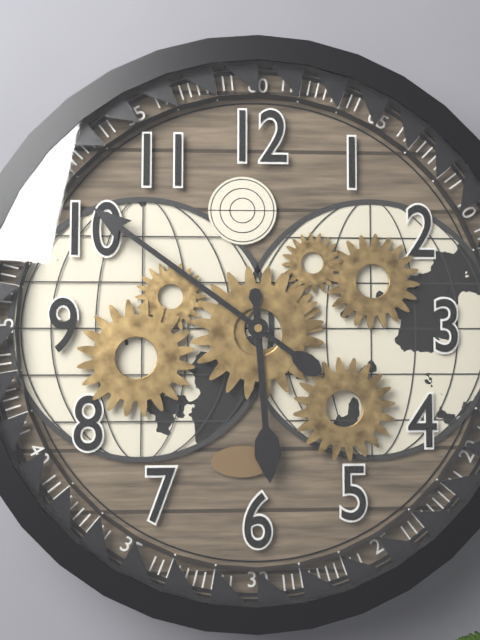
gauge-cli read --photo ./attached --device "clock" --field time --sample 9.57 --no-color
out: 5.51
